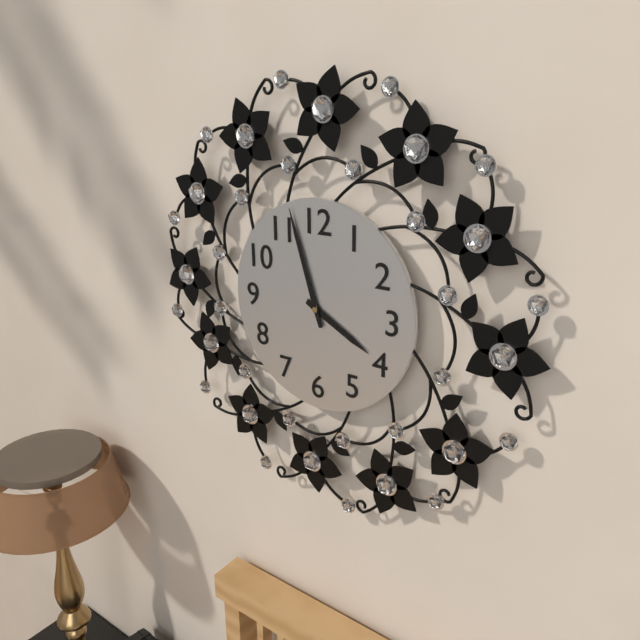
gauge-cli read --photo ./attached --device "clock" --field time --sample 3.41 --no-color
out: 3.57
